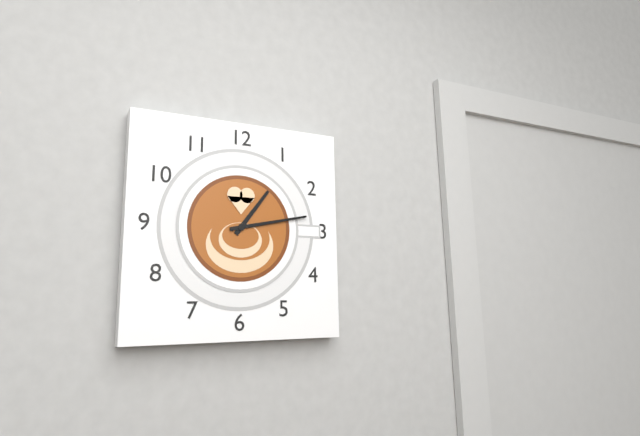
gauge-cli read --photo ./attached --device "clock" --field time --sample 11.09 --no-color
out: 1.13
